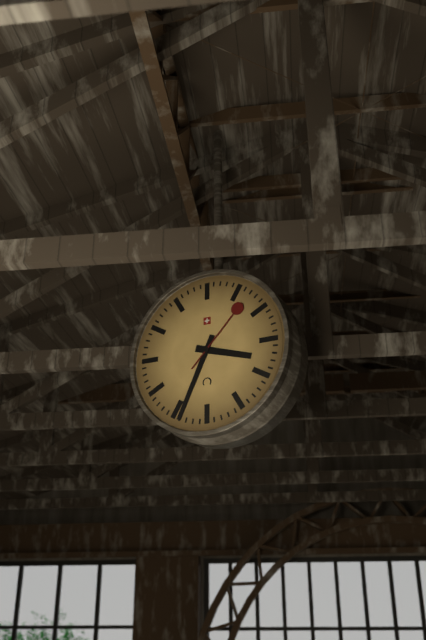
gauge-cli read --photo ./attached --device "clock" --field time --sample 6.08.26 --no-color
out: 3.34.07
